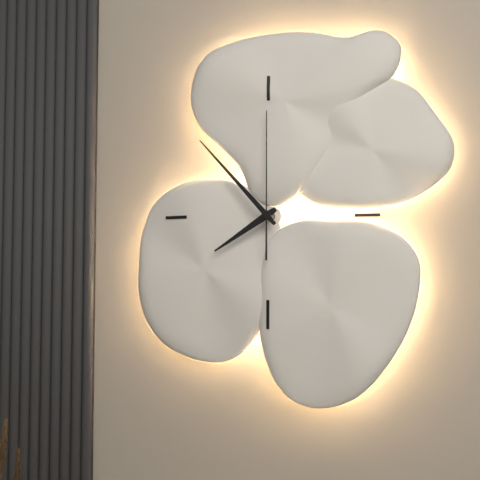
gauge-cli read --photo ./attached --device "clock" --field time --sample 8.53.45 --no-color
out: 7.53.00
